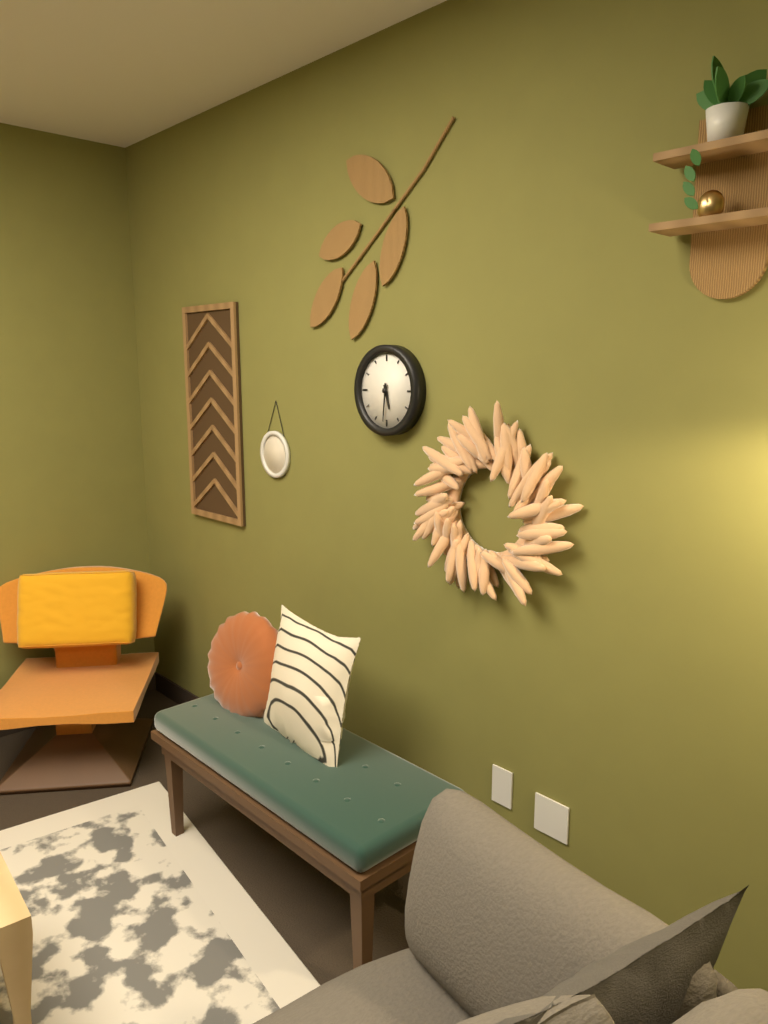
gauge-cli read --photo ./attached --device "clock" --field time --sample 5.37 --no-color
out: 5.31
